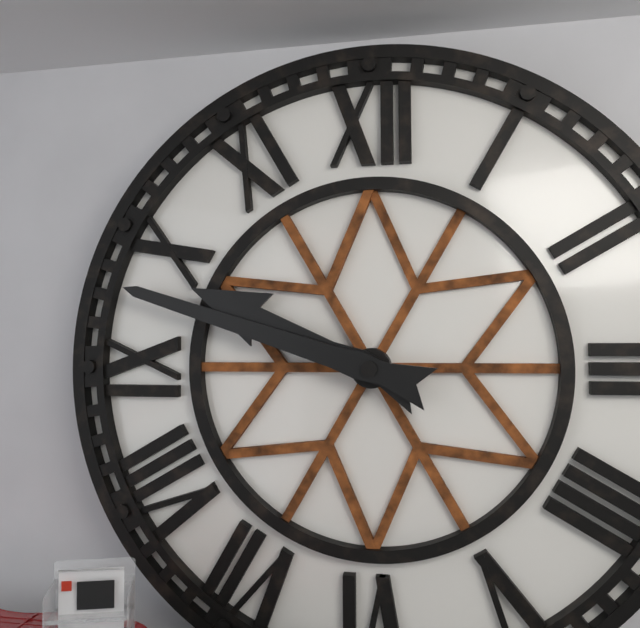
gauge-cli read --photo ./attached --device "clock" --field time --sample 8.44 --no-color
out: 9.48
